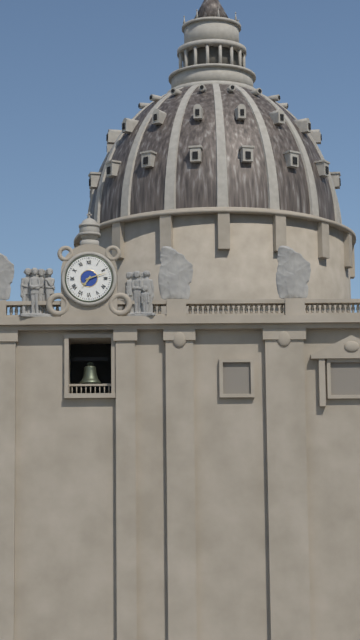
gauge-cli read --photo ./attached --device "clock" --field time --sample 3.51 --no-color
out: 7.12
